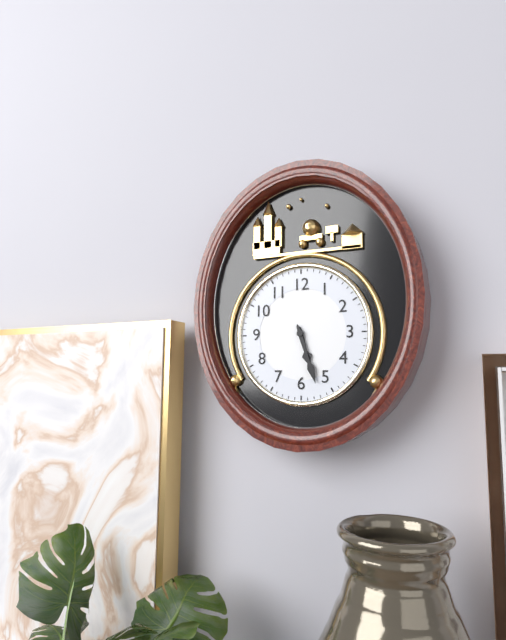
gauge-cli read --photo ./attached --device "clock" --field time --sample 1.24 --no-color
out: 5.27
